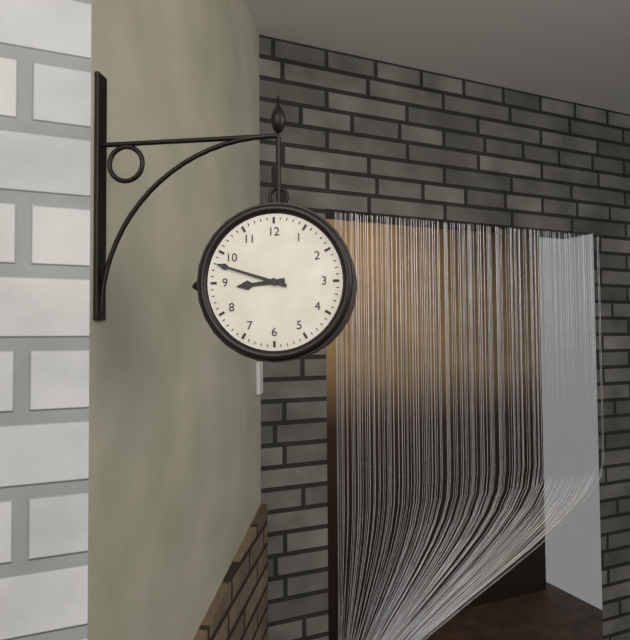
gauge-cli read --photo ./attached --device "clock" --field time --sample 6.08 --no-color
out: 8.48
